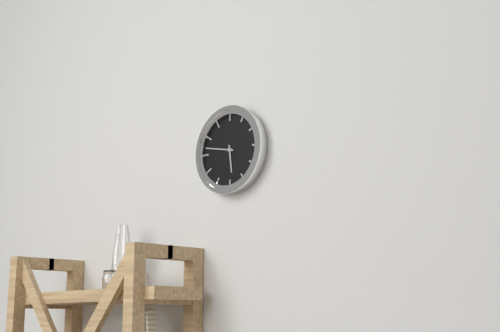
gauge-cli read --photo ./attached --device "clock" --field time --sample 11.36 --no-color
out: 5.47
